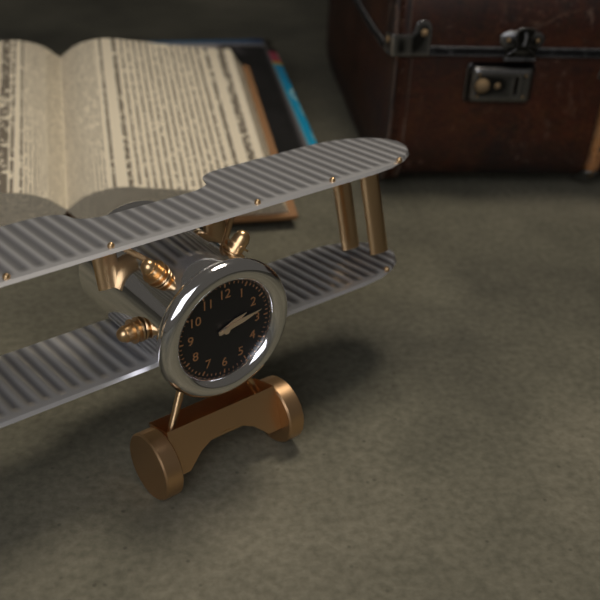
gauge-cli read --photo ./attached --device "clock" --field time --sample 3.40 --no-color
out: 2.13
